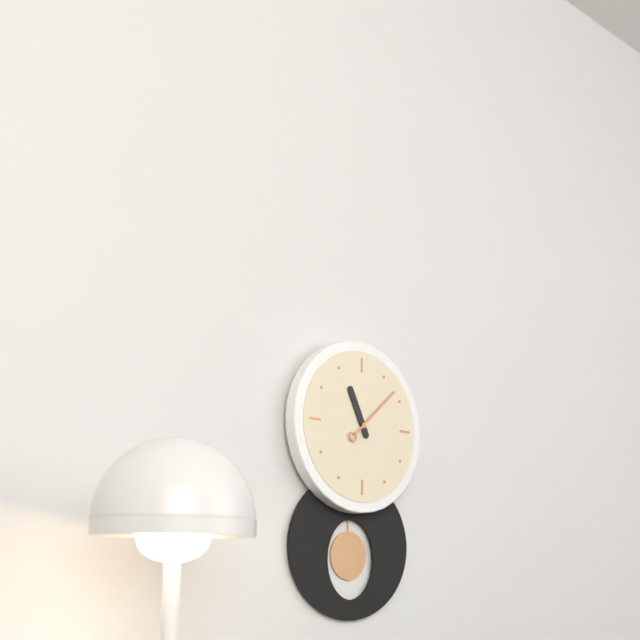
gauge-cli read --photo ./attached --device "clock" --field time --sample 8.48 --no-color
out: 11.08
